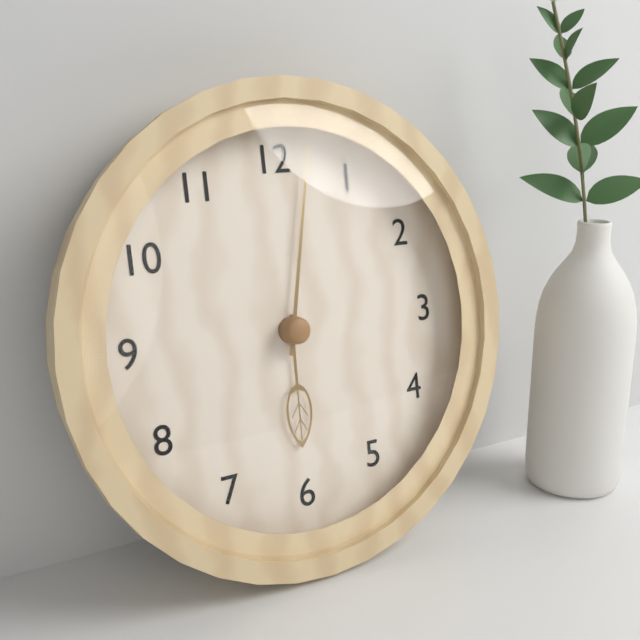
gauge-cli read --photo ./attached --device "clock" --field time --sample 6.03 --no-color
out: 6.02
